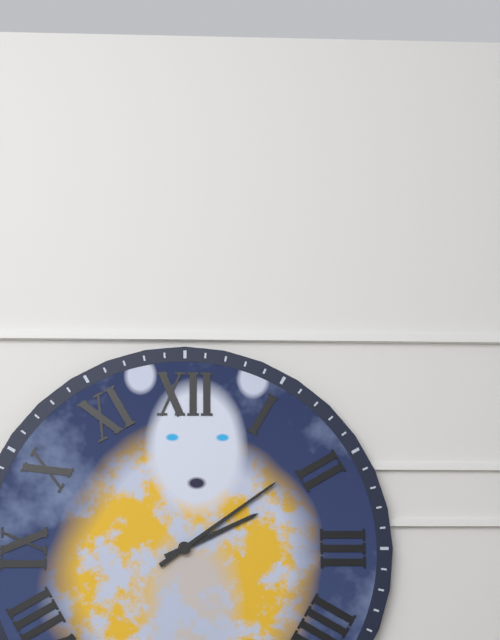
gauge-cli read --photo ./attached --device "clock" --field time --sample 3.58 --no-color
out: 2.09
